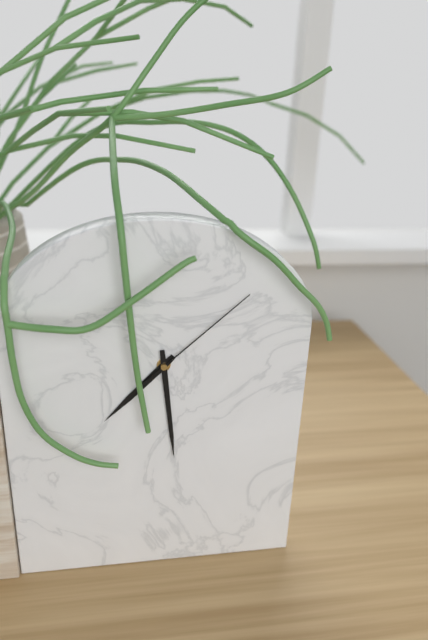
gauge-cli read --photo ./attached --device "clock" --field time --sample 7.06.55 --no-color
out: 7.29.08
